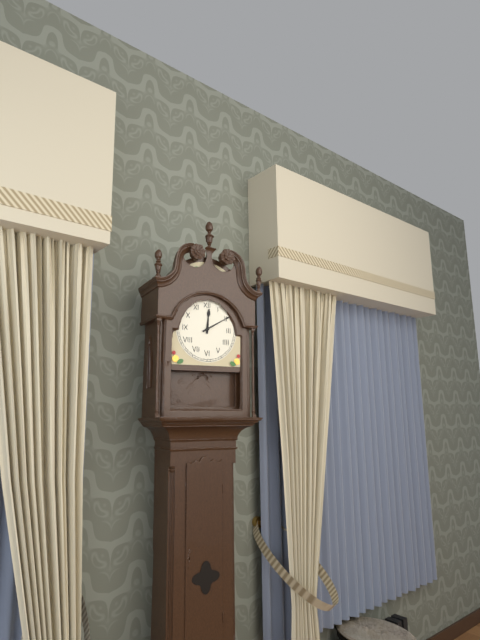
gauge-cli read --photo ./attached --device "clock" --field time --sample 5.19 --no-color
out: 12.10
